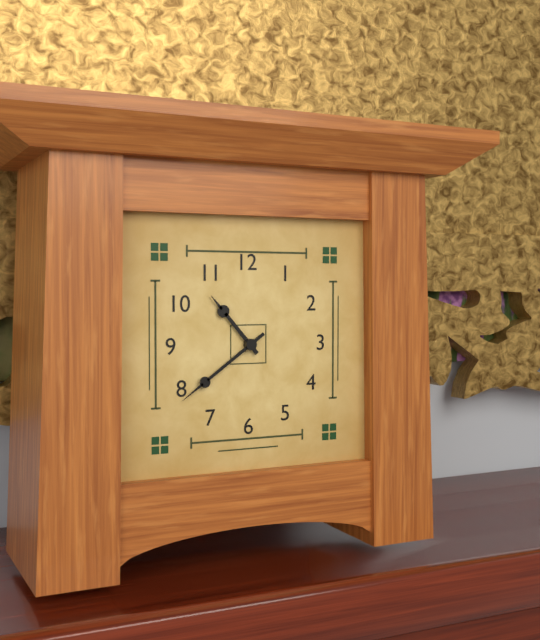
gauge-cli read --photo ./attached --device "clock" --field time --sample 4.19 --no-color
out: 10.39
